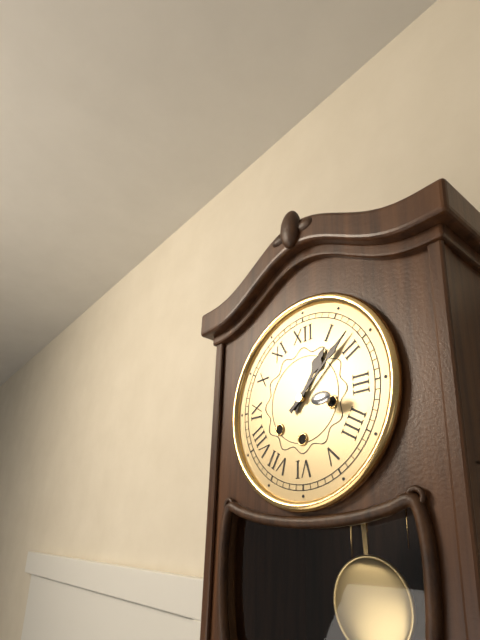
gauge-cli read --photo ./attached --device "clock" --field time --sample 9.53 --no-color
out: 1.08
